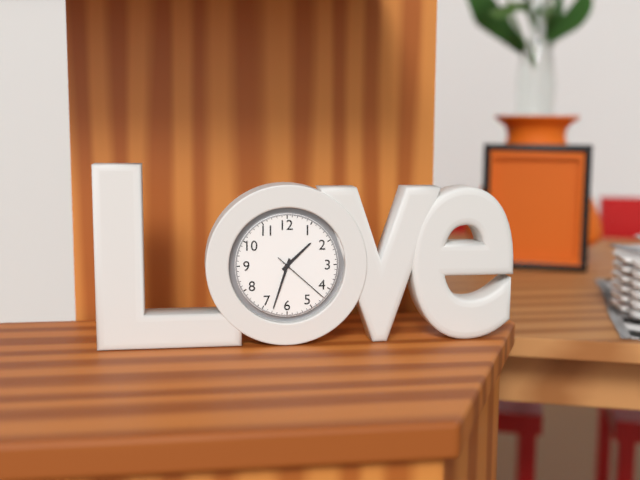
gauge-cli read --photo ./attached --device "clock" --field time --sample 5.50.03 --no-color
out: 1.33.22
